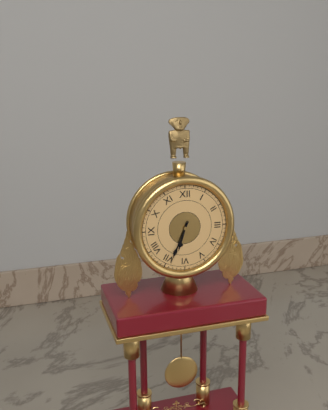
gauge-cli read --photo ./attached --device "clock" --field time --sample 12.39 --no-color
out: 6.34
